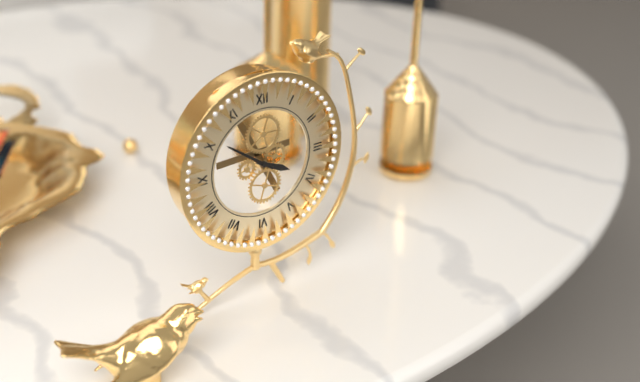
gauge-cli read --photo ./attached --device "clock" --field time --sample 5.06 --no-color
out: 3.51
